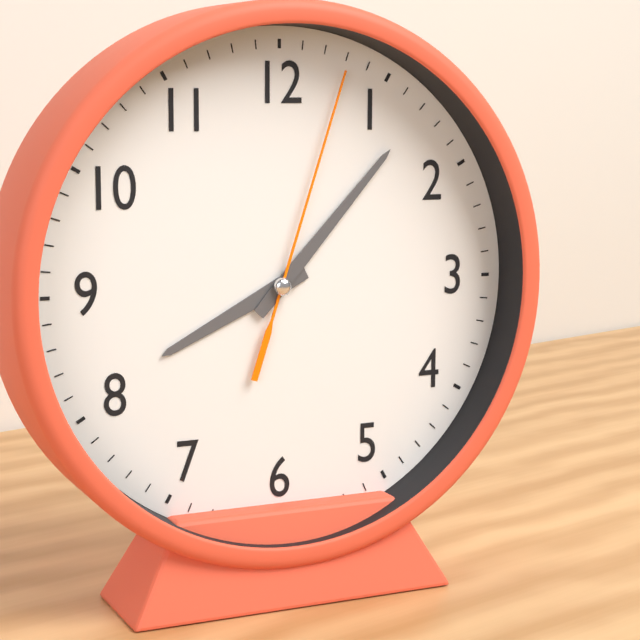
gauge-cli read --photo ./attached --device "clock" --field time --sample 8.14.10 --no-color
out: 8.07.03
